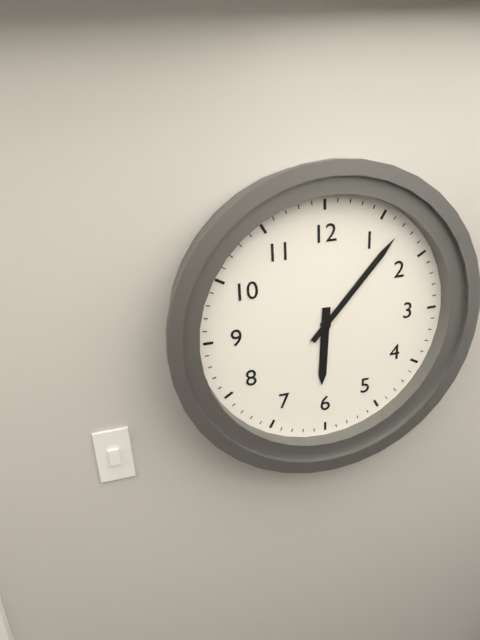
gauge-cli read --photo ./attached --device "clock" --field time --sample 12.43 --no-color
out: 6.07
